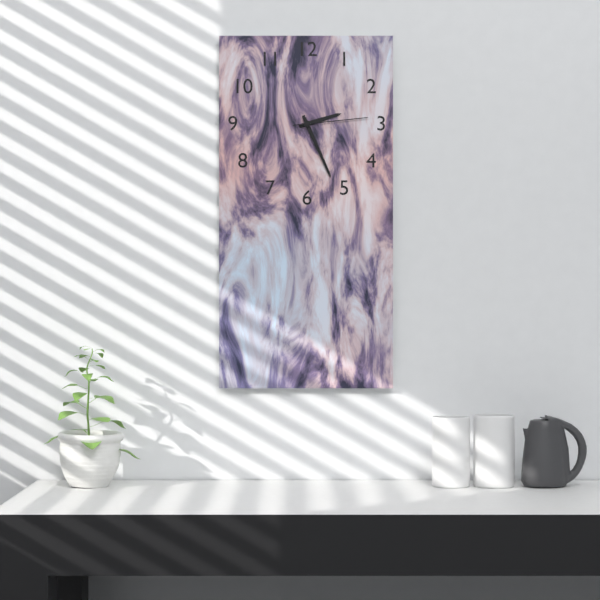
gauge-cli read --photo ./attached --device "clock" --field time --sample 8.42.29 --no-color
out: 2.26.14
